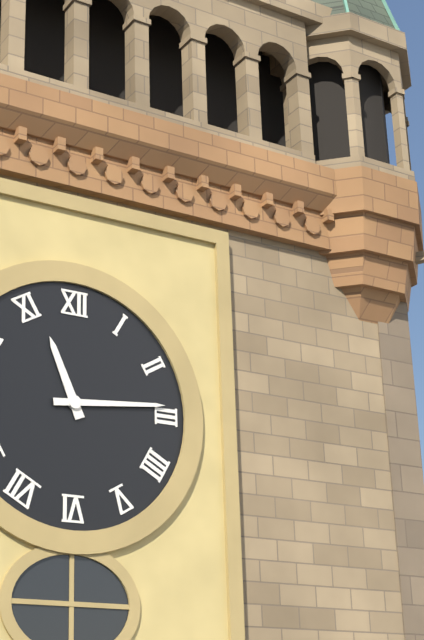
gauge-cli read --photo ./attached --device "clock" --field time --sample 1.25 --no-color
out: 11.14
